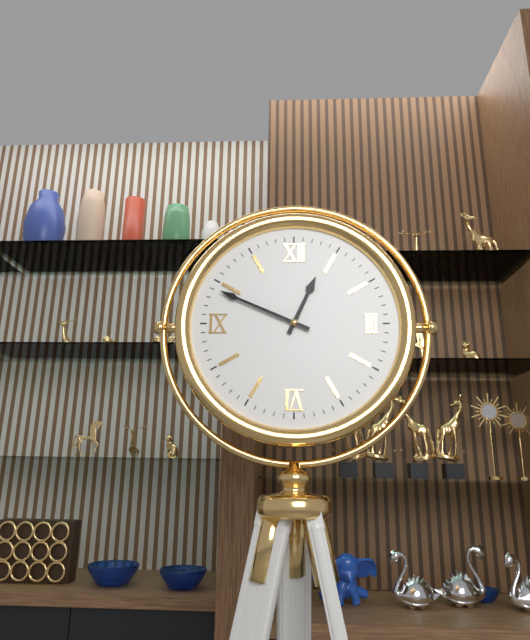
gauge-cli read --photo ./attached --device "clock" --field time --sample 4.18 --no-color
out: 12.49
